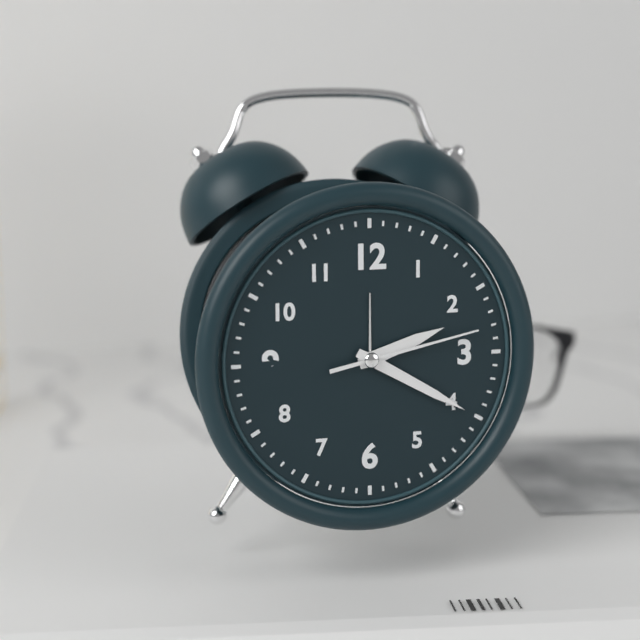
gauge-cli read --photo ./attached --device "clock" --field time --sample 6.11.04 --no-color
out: 2.20.13
